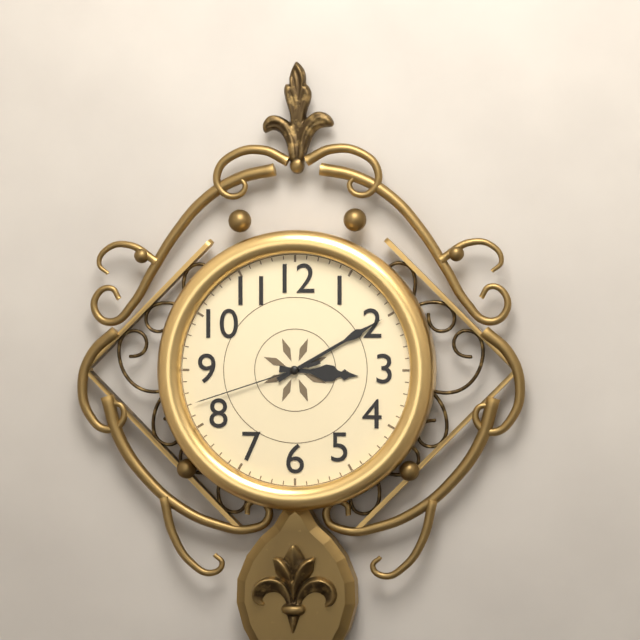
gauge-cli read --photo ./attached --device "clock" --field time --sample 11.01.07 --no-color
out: 3.10.42
